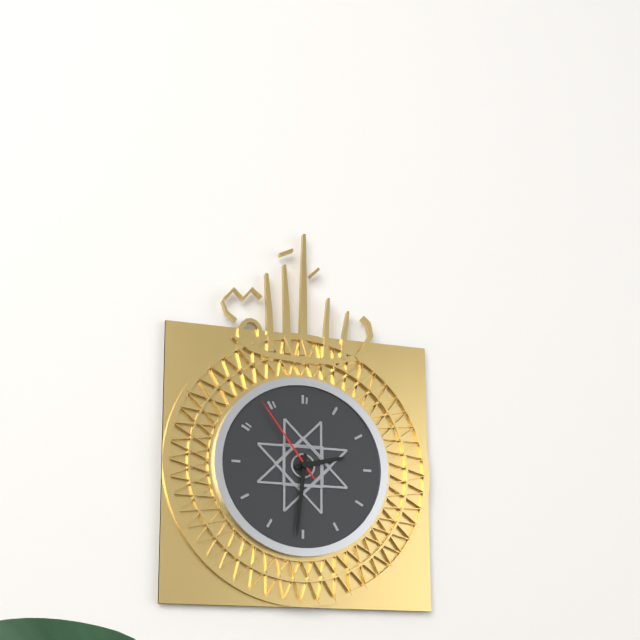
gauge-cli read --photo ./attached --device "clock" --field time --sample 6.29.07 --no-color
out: 2.31.54
